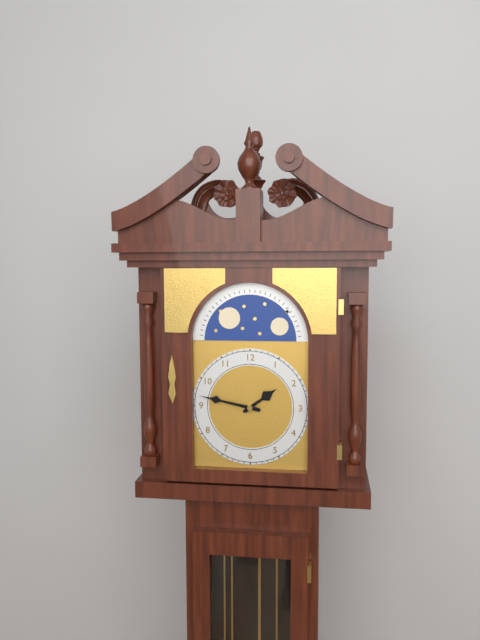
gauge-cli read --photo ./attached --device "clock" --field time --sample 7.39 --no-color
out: 1.47
